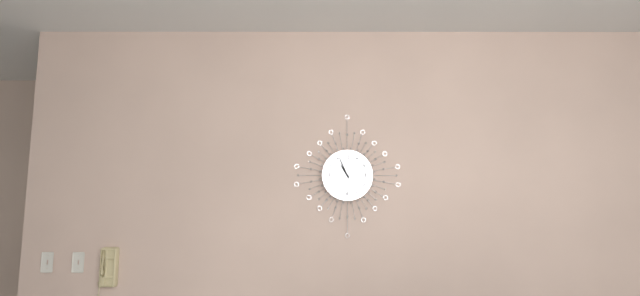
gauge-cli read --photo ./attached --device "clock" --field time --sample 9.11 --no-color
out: 10.56
